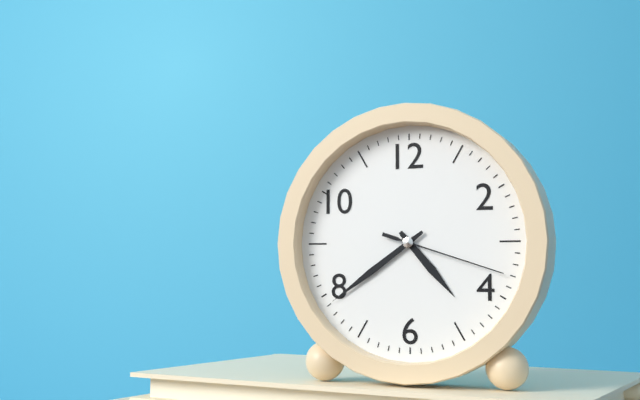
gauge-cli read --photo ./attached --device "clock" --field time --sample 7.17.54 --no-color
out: 4.39.18
